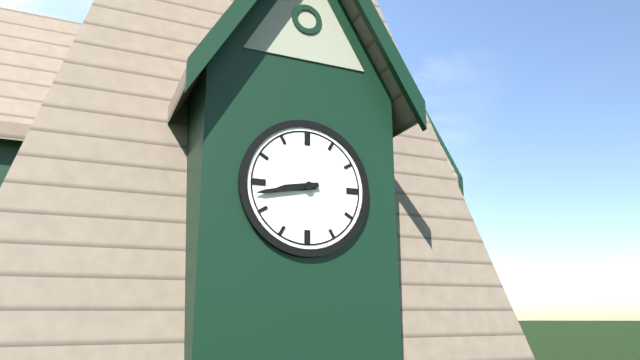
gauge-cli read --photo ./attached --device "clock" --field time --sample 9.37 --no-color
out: 8.43
